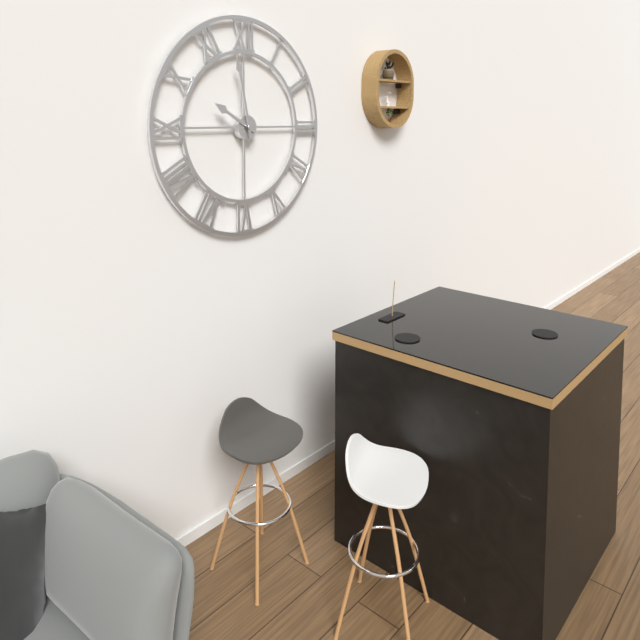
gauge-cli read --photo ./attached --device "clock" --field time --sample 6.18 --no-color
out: 9.58
